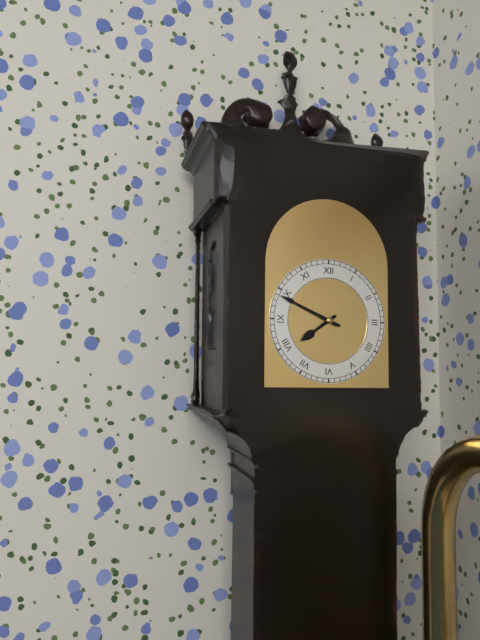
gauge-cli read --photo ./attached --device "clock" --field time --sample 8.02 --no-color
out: 7.49
